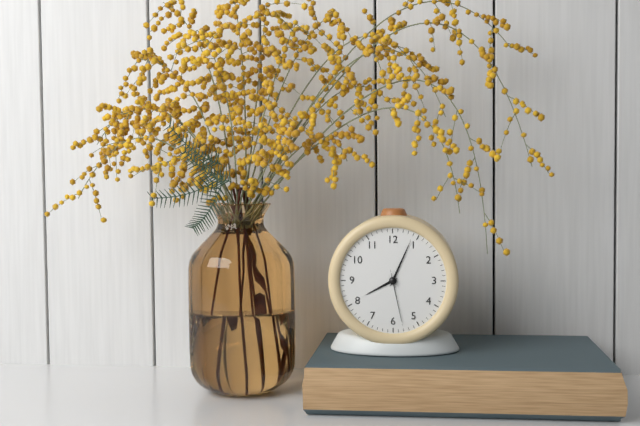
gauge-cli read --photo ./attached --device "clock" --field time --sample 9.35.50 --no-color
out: 8.04.28
